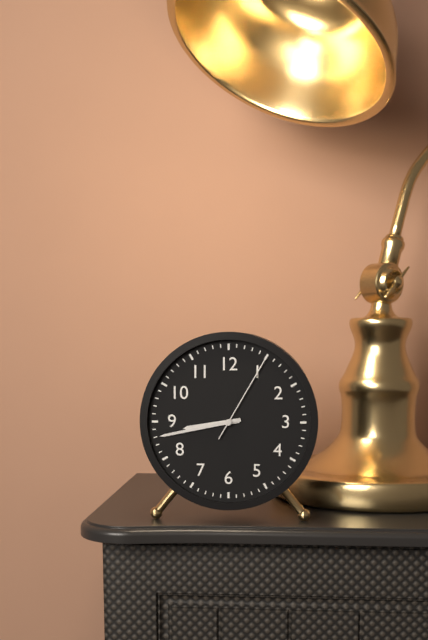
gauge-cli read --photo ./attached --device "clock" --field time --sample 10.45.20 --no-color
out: 8.43.05
